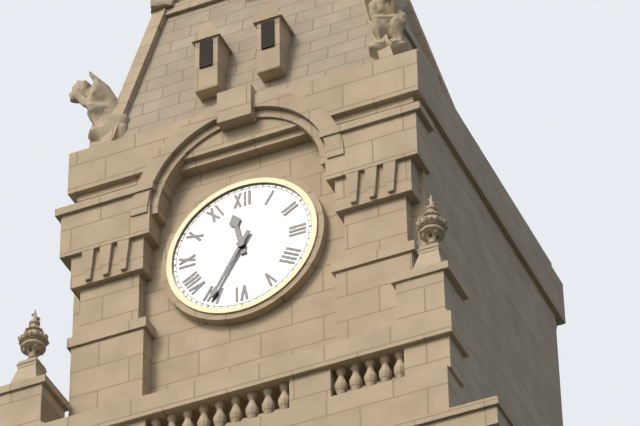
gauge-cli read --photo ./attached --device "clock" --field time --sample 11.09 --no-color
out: 11.35
